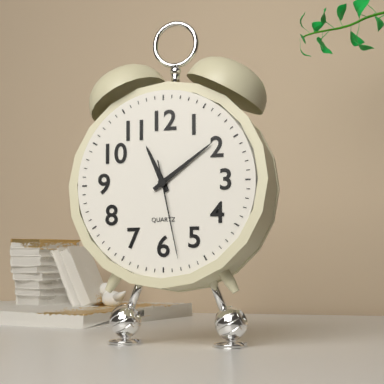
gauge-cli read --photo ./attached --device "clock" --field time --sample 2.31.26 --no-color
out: 11.09.28
